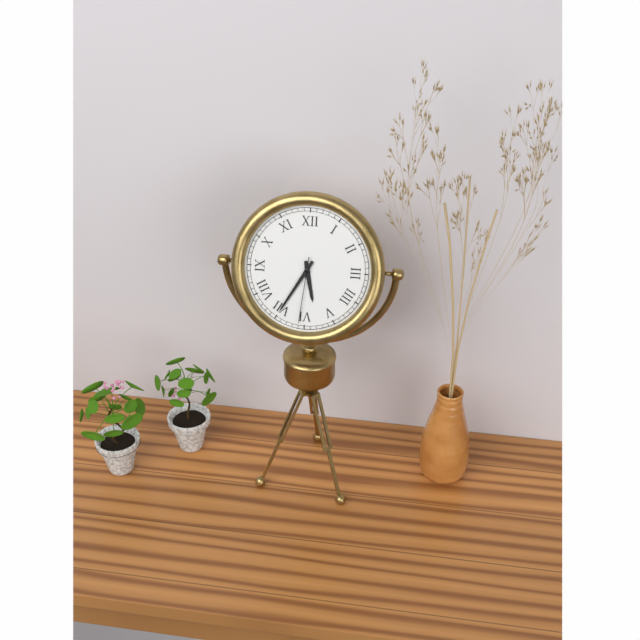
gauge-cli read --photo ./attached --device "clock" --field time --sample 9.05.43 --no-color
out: 5.35.31
